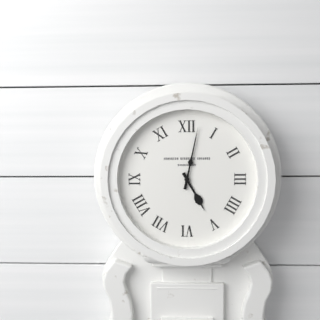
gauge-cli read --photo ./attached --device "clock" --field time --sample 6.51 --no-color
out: 5.02
